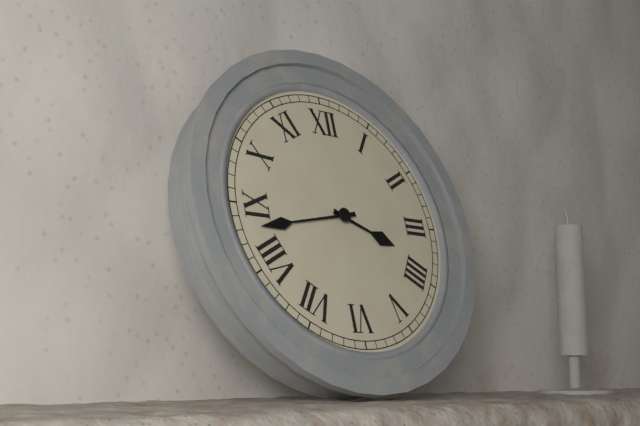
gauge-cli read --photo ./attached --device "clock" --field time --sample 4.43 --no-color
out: 3.43
